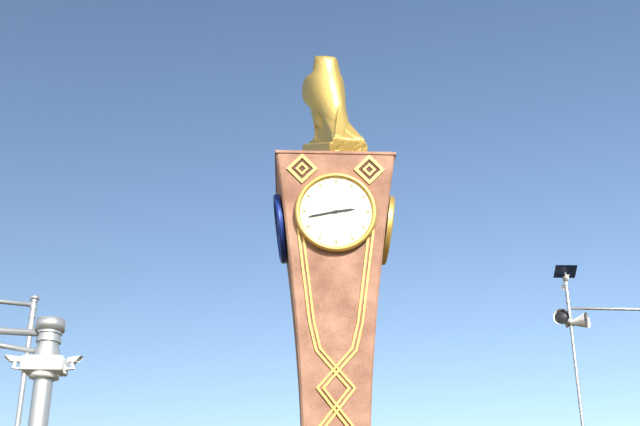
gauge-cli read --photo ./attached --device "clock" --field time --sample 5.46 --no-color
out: 2.43
